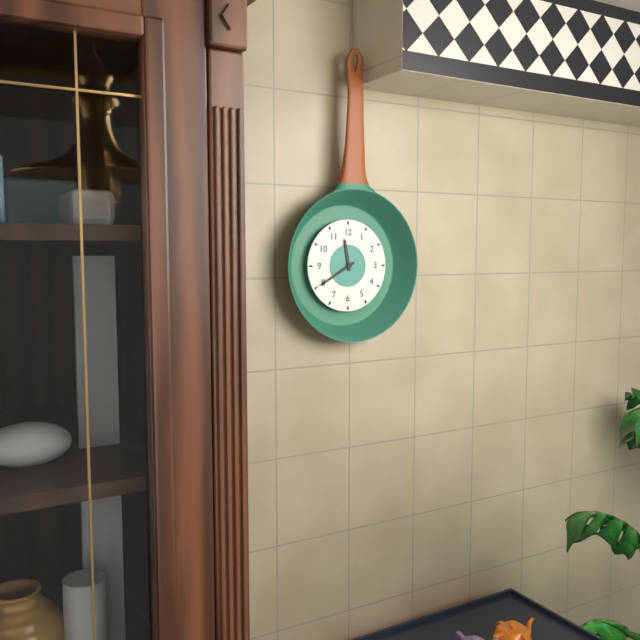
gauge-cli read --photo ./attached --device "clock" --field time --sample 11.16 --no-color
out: 11.40
